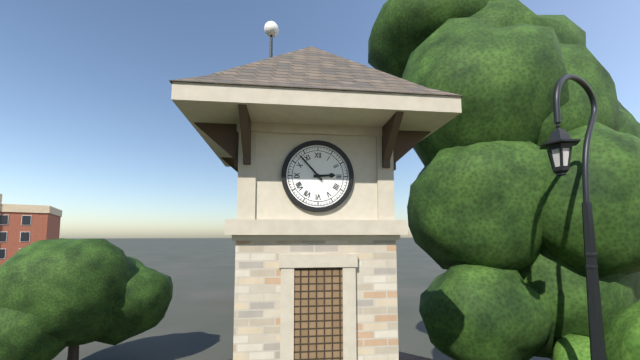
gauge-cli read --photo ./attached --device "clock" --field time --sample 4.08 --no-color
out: 2.53
